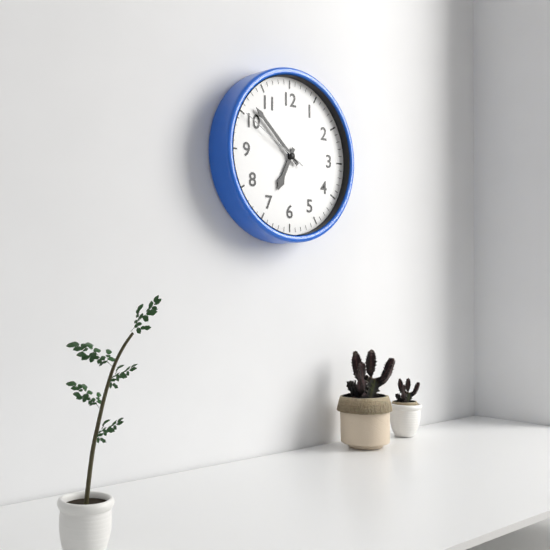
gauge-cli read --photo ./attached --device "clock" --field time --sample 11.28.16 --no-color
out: 6.52.50
